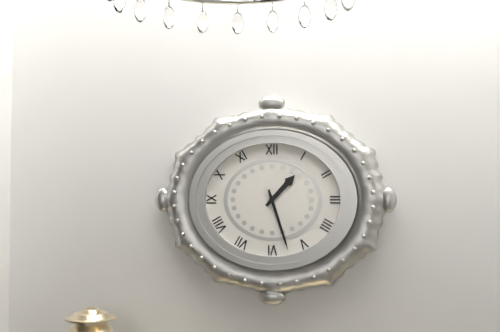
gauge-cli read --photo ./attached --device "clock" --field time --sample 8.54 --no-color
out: 1.27
